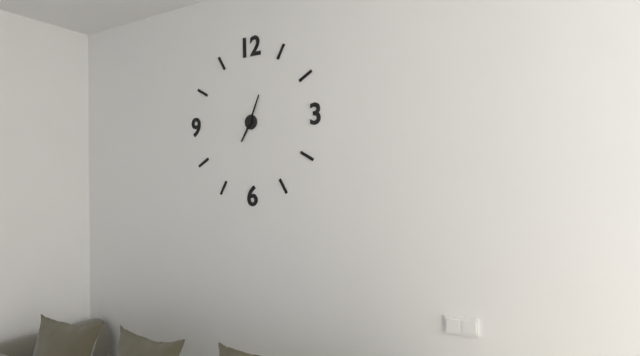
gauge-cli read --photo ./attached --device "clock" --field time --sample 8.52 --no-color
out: 7.04
